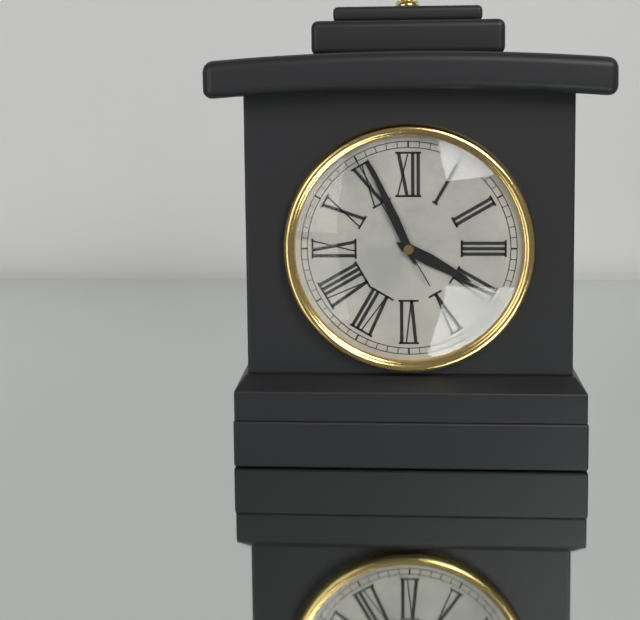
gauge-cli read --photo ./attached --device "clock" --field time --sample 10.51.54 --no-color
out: 3.56.55
